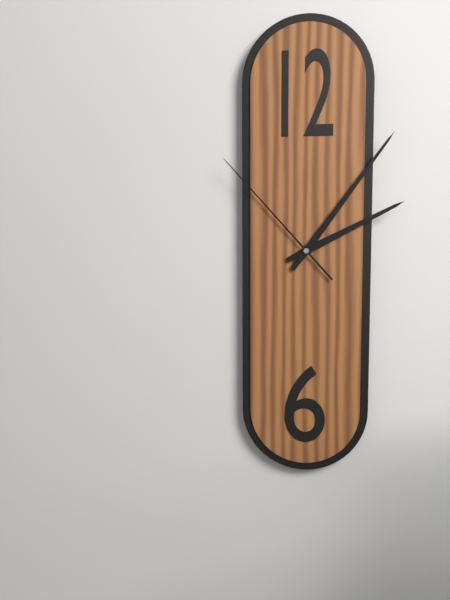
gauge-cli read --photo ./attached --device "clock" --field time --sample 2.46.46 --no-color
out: 2.06.53
